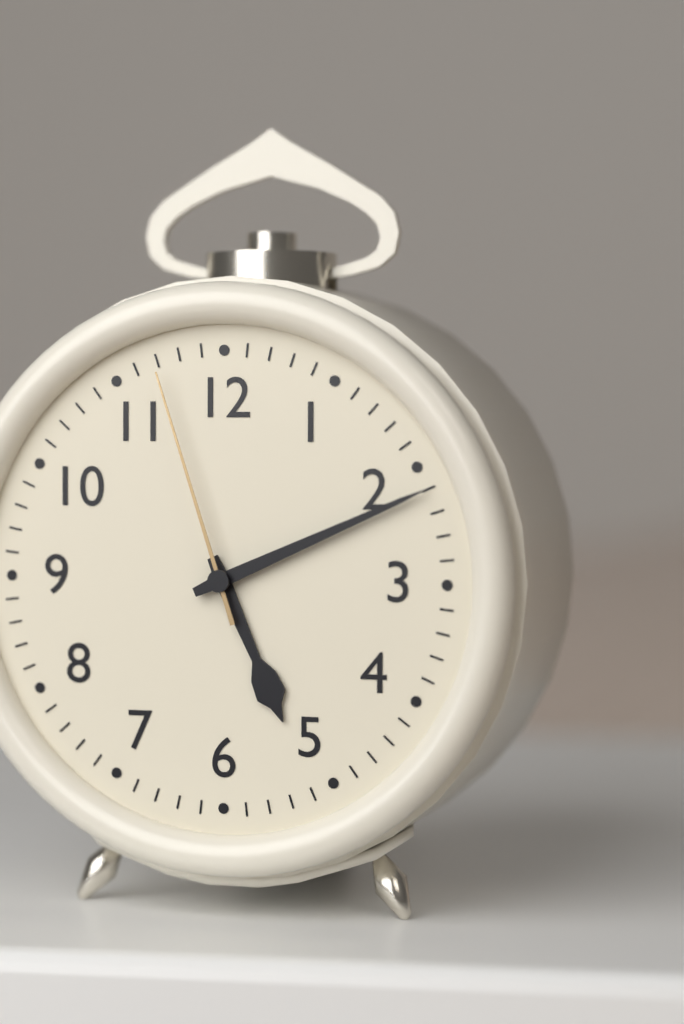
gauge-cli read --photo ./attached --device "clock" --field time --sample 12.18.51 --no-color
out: 5.11.57
